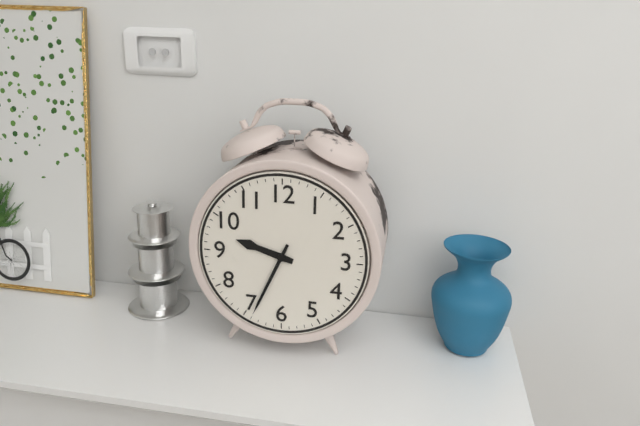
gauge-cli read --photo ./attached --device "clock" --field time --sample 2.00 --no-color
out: 9.34
